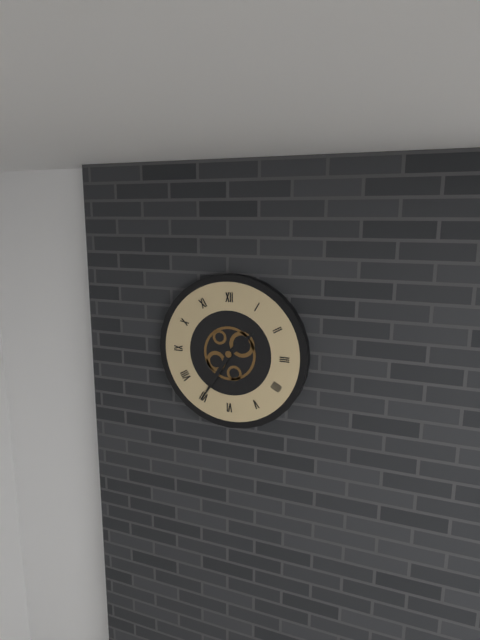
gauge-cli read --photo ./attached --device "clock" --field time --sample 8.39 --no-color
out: 1.35
